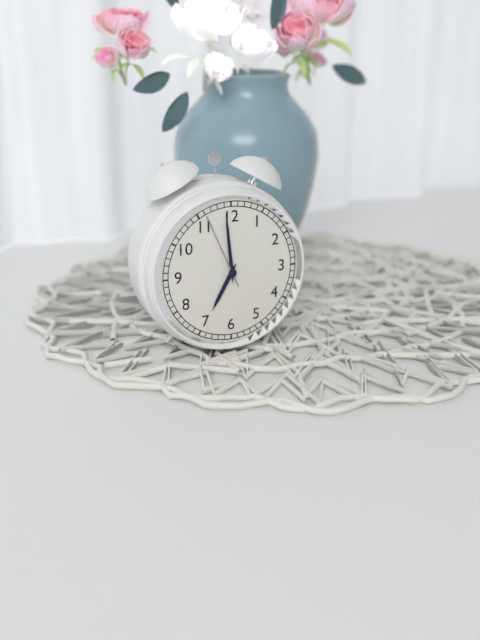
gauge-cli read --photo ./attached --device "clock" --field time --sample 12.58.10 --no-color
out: 6.59.56
